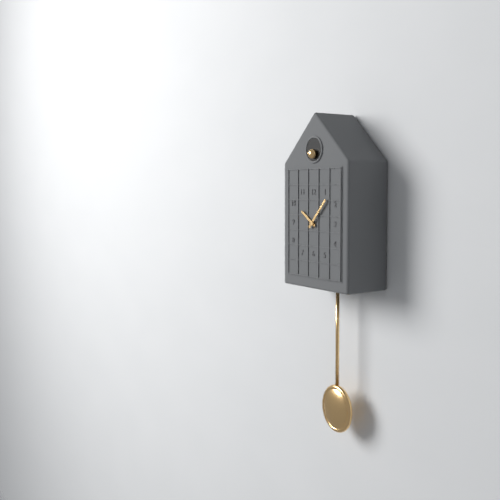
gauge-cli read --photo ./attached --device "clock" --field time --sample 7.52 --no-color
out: 10.07
